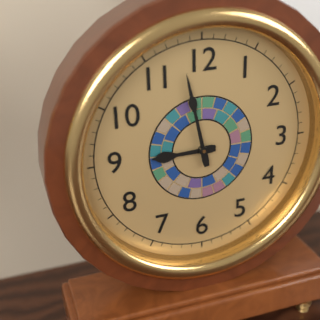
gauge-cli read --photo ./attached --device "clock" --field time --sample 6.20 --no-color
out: 8.58
